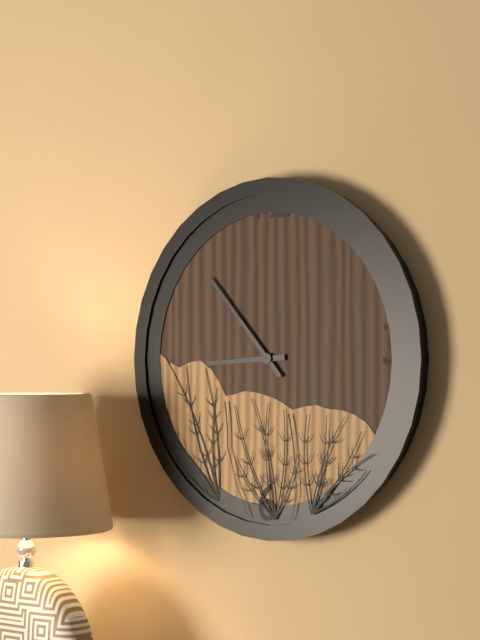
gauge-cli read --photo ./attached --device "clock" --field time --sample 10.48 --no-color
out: 8.53
